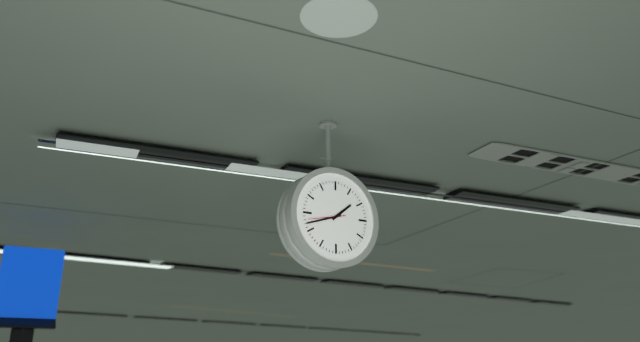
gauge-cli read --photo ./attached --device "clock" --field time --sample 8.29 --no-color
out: 1.42
